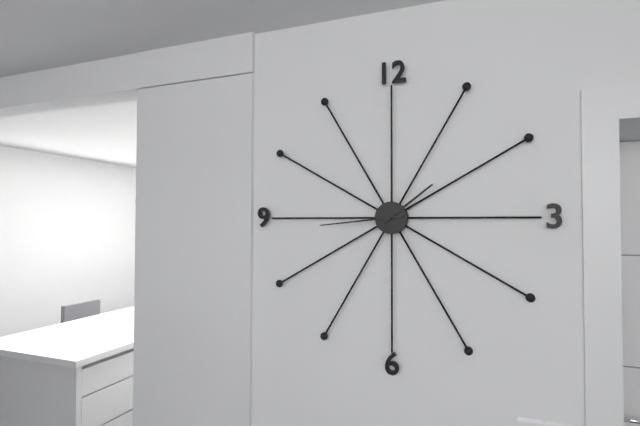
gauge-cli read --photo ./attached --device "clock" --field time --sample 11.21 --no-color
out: 1.44
